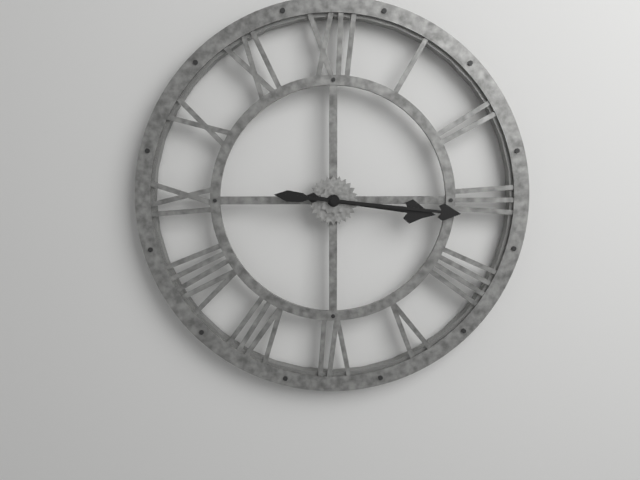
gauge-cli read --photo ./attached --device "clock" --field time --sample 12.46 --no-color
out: 3.16
